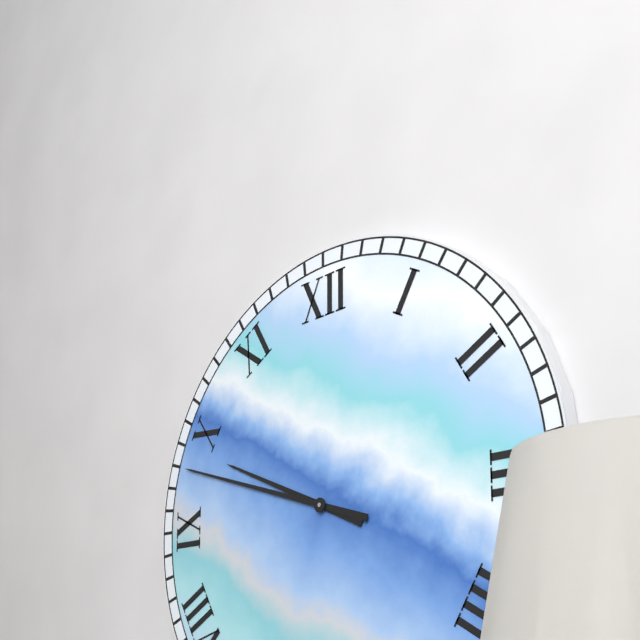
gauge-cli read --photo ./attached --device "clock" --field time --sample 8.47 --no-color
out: 9.48
